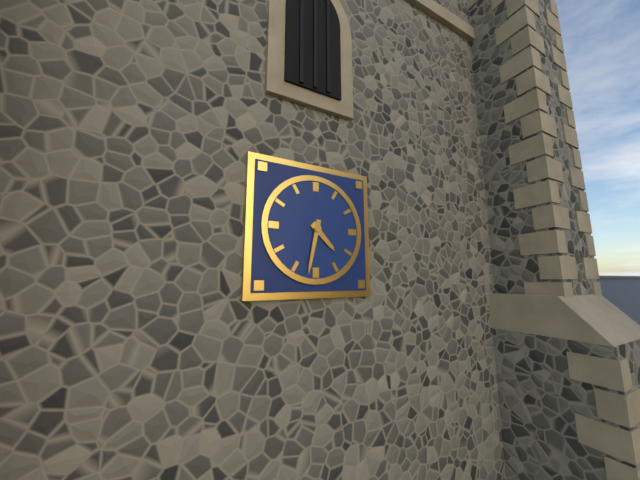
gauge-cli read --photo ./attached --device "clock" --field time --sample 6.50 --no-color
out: 4.32
